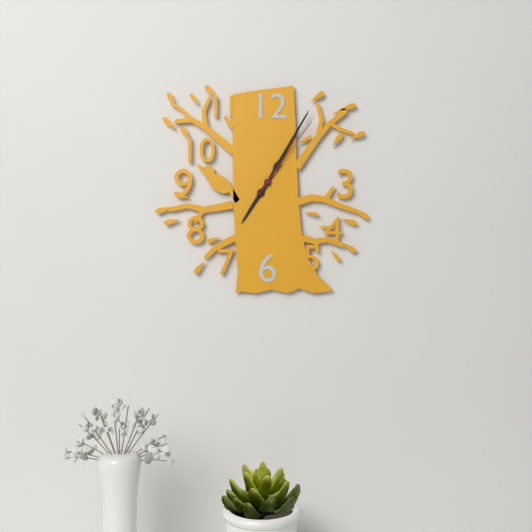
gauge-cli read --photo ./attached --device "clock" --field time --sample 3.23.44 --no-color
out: 7.05.06
